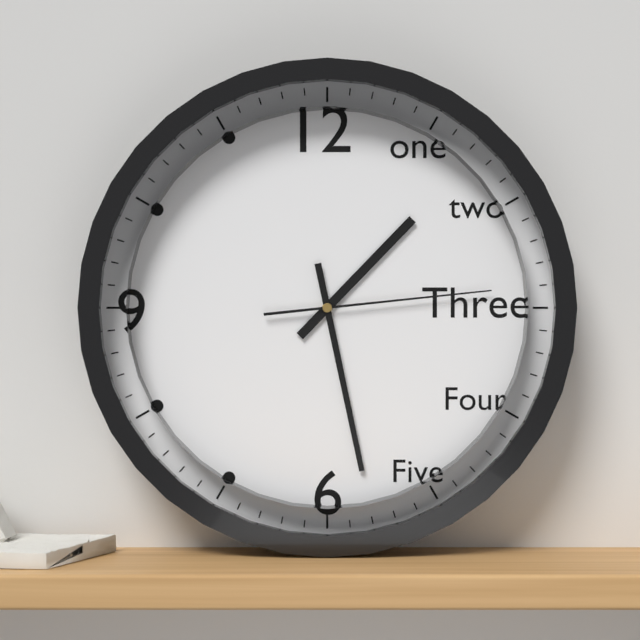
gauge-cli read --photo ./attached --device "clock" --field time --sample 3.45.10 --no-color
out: 1.28.14
